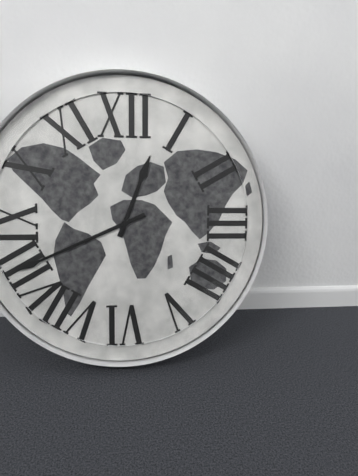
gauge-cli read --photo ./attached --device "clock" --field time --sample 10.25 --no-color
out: 12.41
